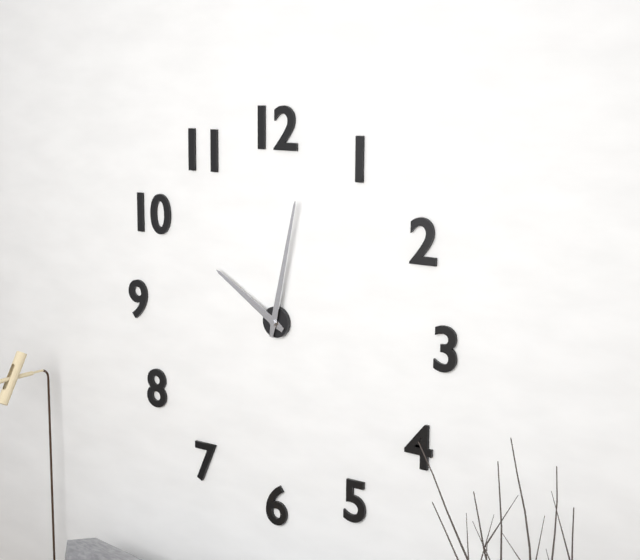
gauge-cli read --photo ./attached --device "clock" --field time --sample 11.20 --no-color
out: 10.02
